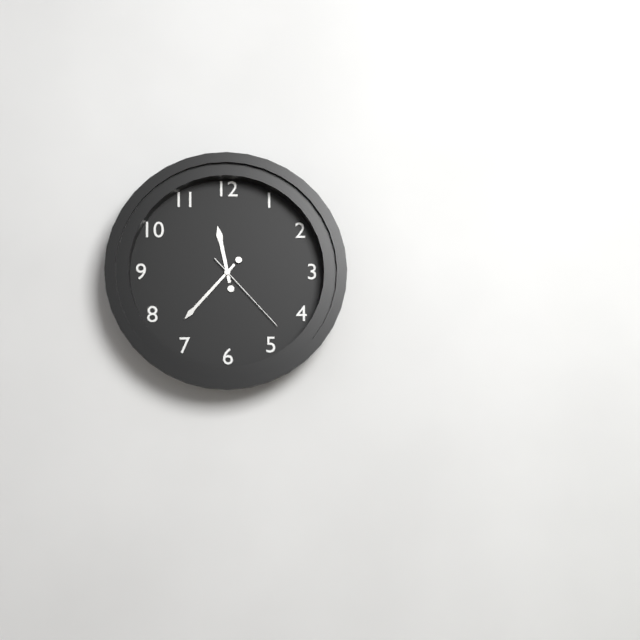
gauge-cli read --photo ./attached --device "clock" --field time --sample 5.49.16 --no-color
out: 11.37.23
